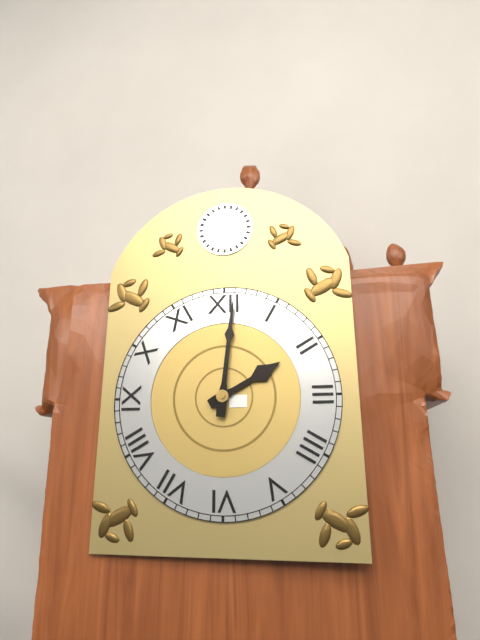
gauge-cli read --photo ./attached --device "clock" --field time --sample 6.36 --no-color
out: 2.01
